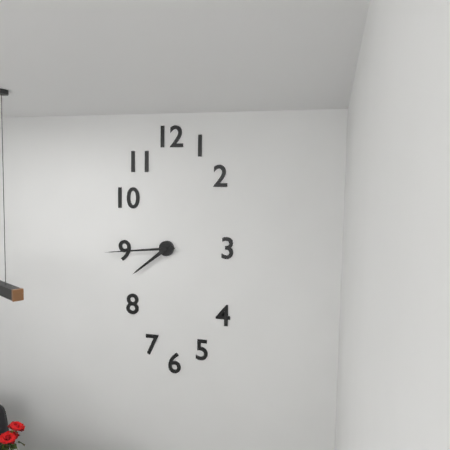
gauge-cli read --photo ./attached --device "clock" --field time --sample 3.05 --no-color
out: 7.44
